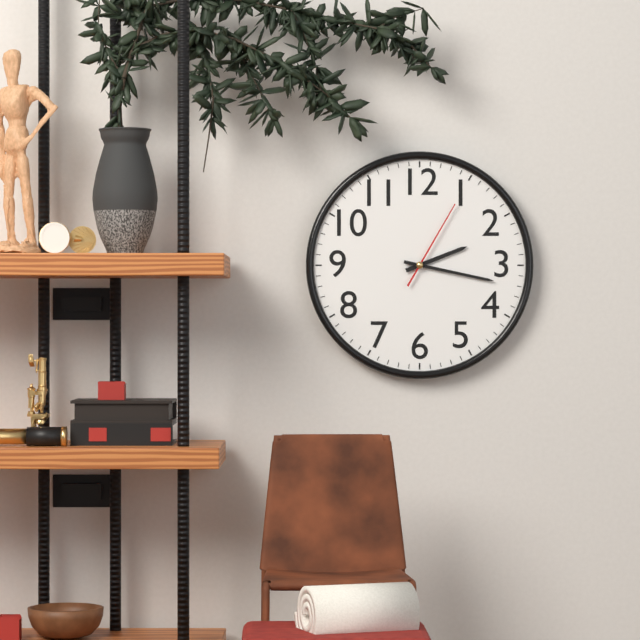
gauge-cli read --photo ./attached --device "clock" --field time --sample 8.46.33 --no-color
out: 2.17.05
